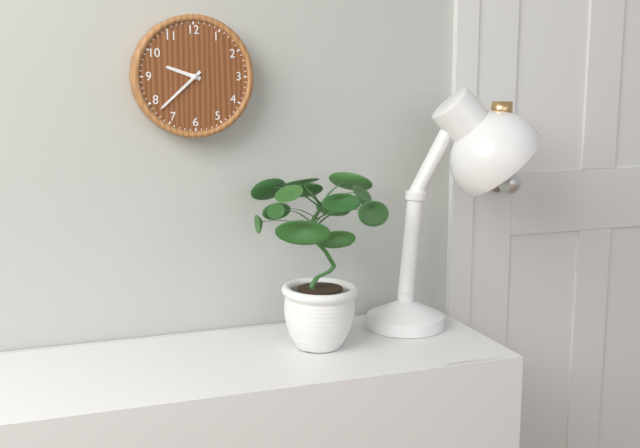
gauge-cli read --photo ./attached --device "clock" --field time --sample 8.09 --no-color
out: 9.38
